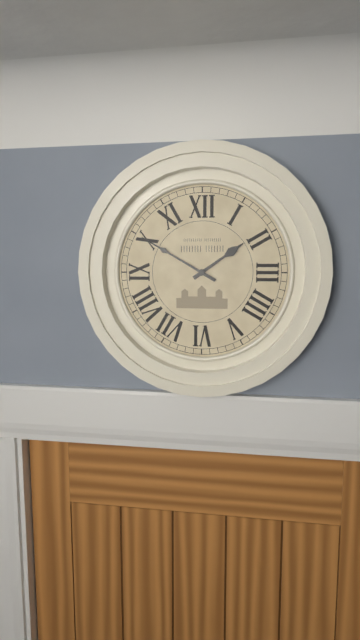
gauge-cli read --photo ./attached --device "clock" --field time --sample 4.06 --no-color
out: 1.50
